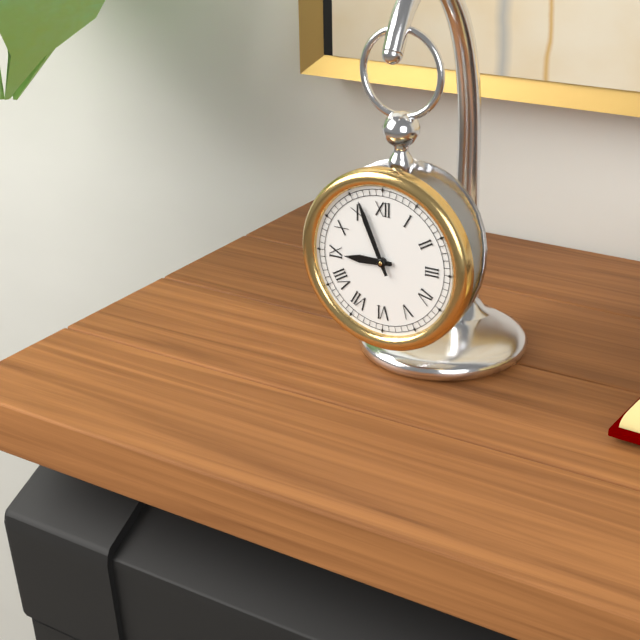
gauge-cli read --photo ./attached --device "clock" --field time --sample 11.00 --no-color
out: 8.56
